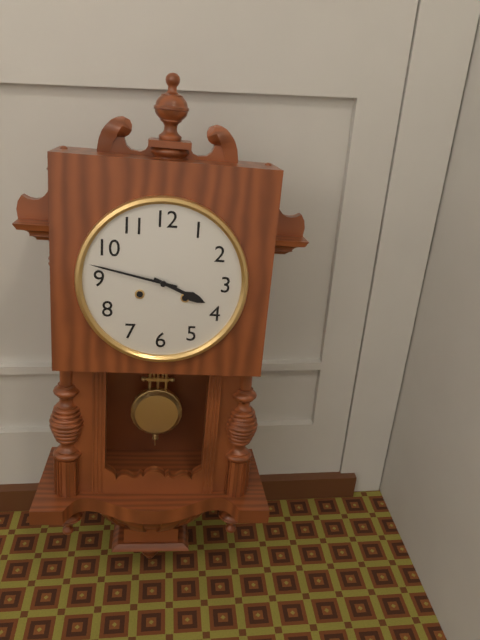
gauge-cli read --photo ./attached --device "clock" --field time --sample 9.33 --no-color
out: 3.47
